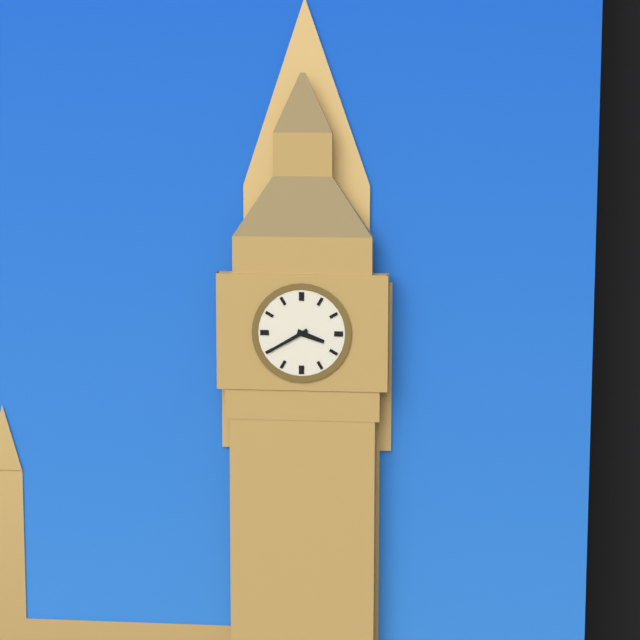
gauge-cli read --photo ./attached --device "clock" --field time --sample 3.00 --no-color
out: 3.40
